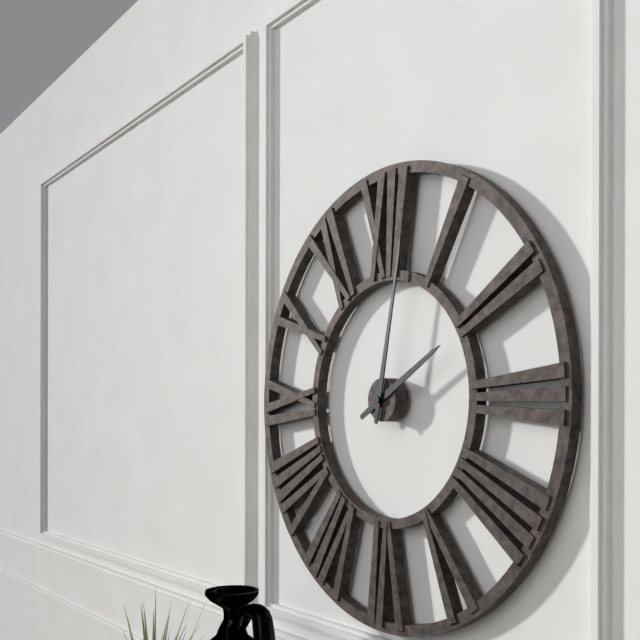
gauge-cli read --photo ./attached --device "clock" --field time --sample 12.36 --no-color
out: 2.02
